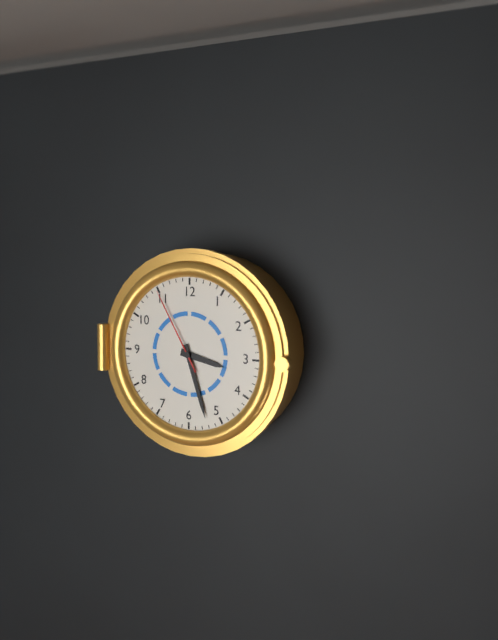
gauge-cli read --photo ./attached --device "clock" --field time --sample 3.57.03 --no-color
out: 3.27.55
